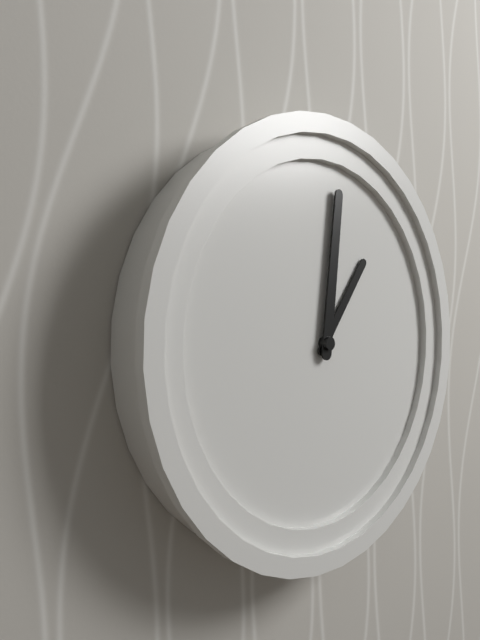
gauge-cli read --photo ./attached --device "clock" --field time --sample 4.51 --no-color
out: 1.00
